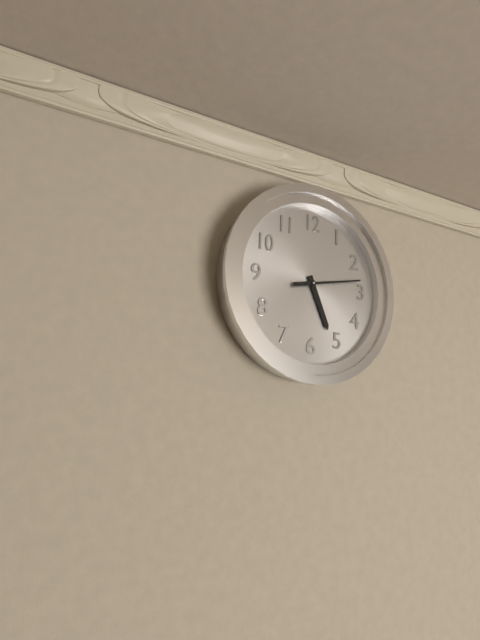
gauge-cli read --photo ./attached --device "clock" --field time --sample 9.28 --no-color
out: 5.13
